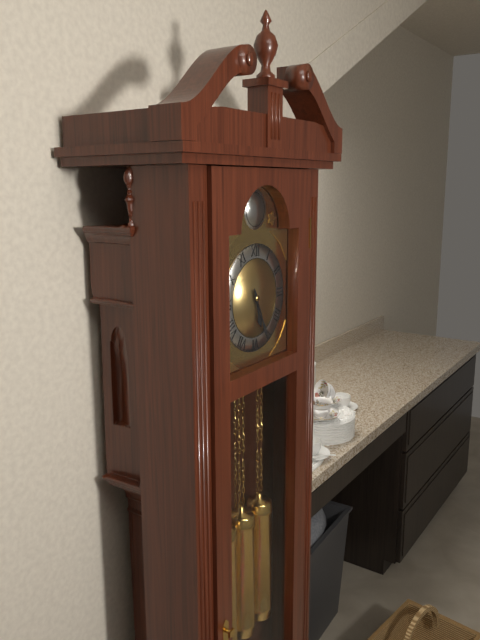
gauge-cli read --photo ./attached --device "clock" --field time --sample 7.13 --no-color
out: 5.26
